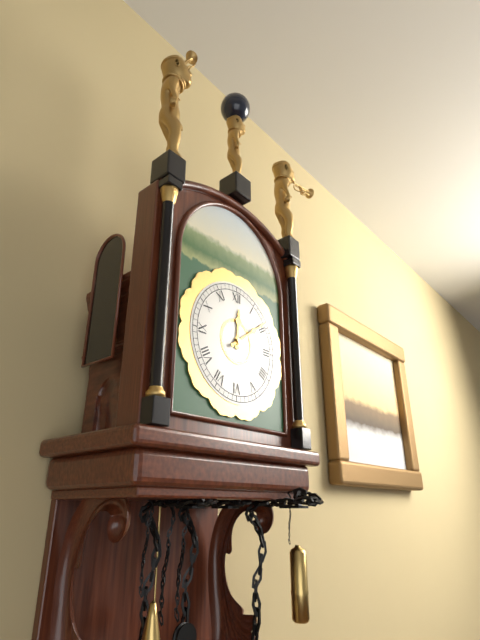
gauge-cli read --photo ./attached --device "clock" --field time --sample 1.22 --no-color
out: 12.09
